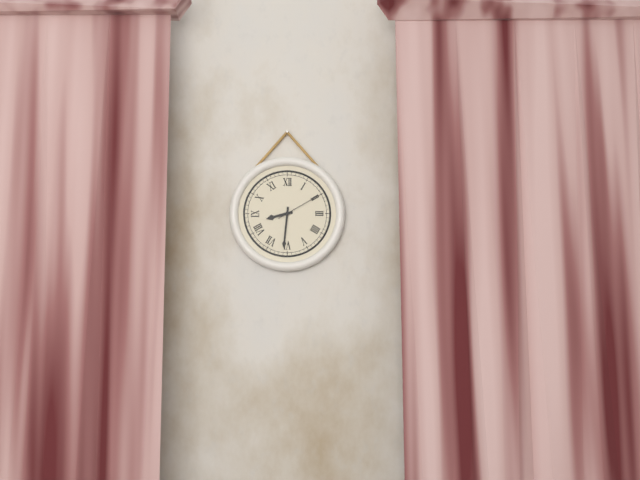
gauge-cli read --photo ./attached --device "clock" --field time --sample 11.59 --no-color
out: 8.31
